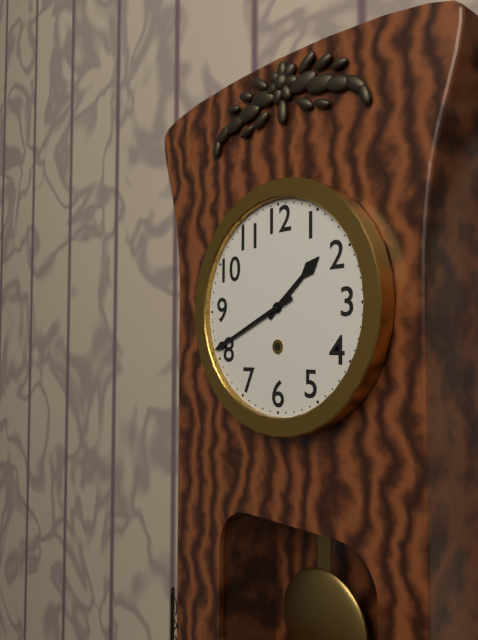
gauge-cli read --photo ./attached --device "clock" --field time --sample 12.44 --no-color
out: 1.41
